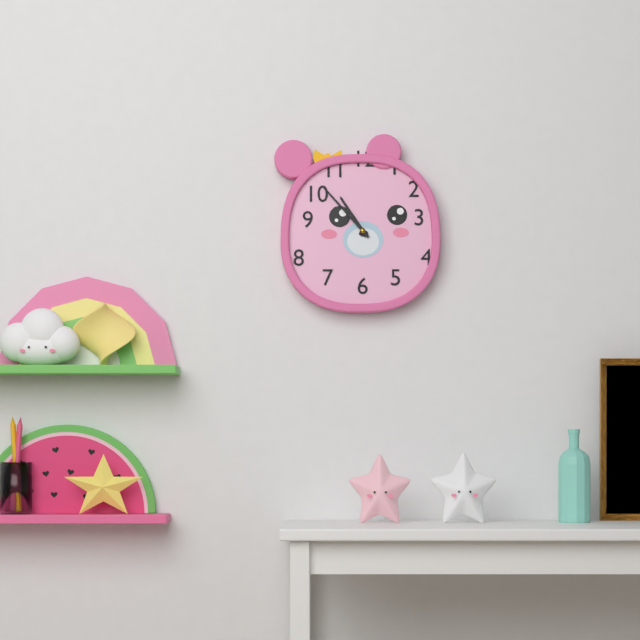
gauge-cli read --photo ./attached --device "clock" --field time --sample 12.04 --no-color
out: 10.53
